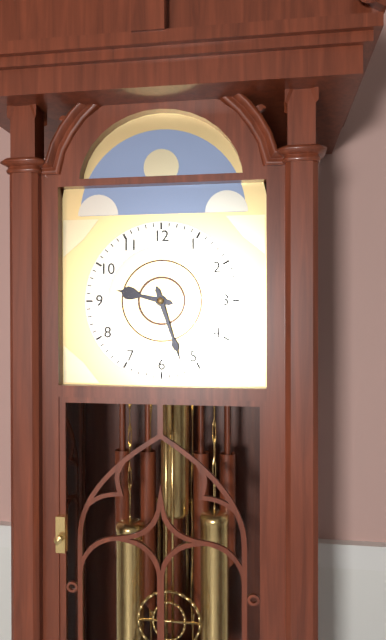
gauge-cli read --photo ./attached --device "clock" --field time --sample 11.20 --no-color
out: 9.27
